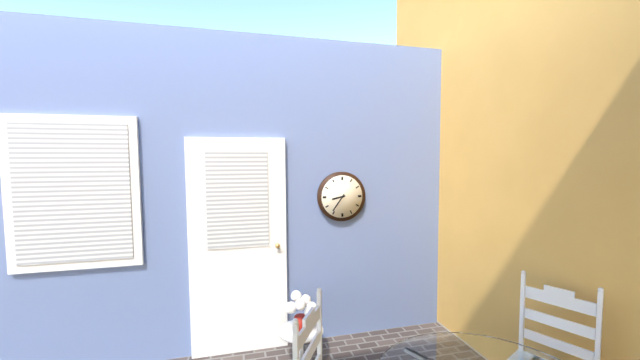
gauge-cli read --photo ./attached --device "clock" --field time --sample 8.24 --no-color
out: 8.36
